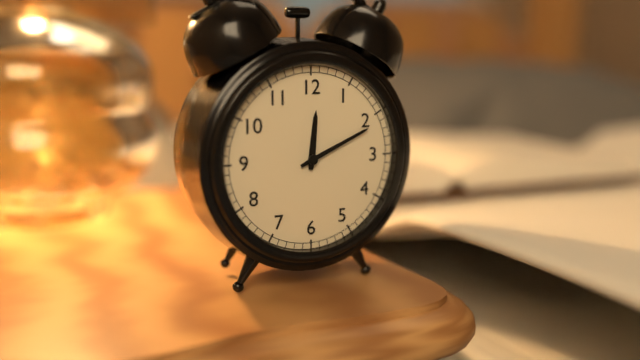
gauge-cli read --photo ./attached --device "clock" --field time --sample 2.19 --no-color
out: 12.11
